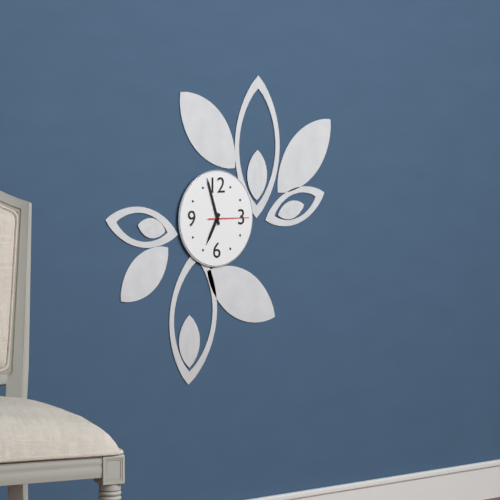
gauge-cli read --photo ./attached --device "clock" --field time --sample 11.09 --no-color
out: 6.57
